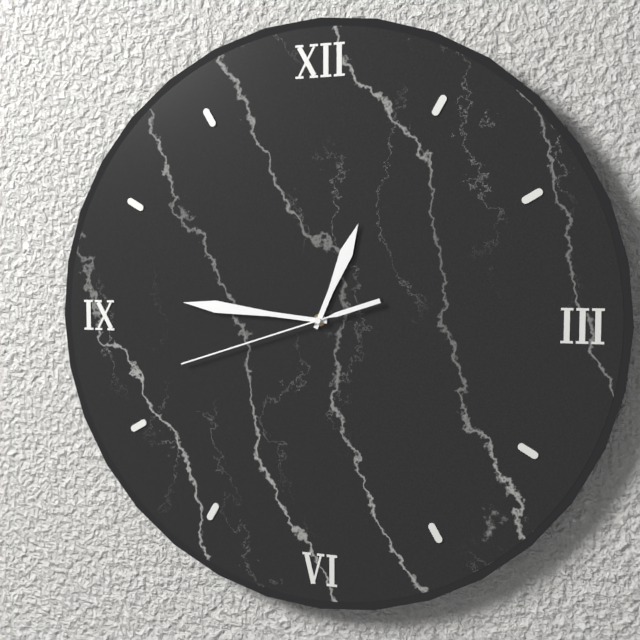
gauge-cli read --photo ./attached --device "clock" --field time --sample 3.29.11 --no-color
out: 12.46.42
